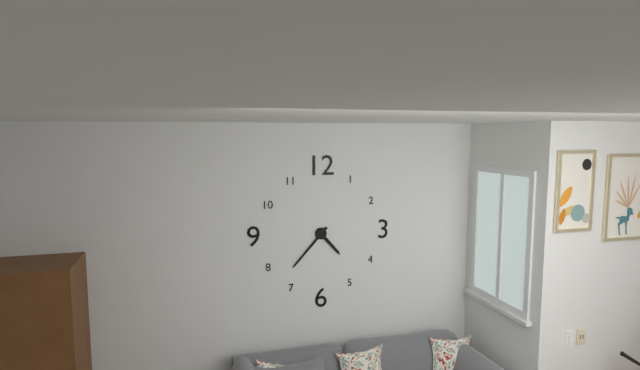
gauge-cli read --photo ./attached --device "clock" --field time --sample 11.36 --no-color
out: 4.37
